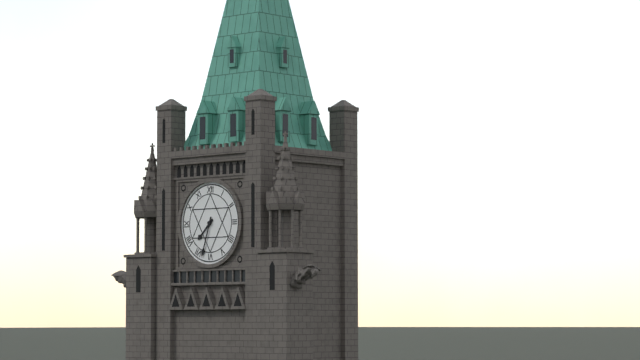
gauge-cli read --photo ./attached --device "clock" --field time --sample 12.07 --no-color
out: 7.33
